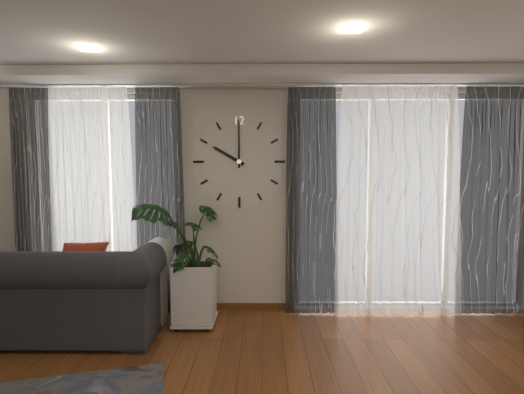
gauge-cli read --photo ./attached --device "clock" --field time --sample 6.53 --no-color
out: 10.00
